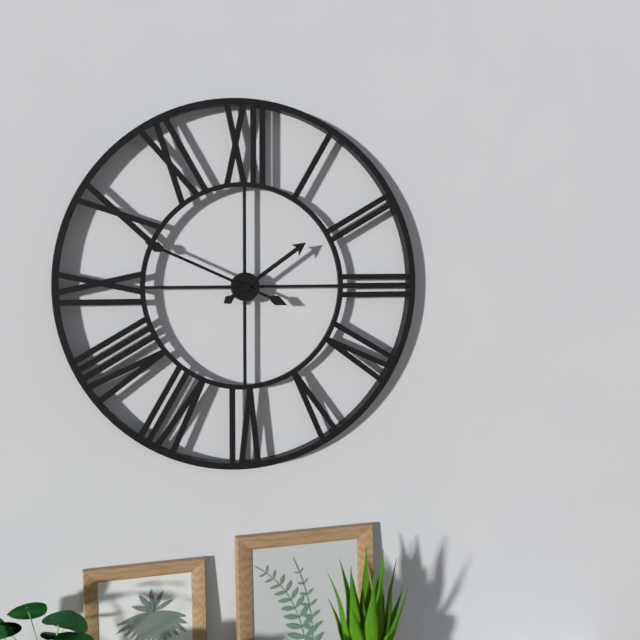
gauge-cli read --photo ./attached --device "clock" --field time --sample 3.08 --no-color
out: 1.49
